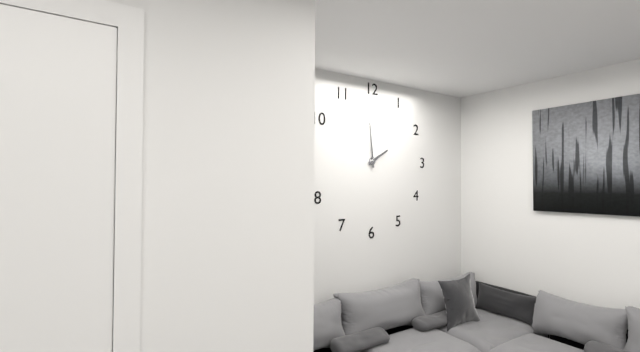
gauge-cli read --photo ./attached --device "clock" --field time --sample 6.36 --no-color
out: 1.59
